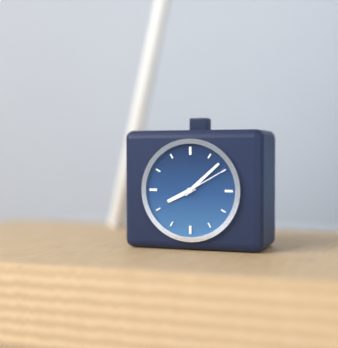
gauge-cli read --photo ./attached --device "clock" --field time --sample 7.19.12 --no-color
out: 8.08.10
